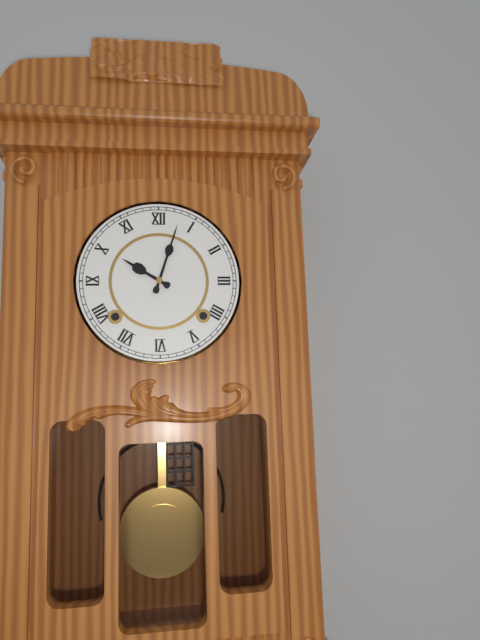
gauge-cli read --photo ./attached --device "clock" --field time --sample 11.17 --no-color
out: 10.03
